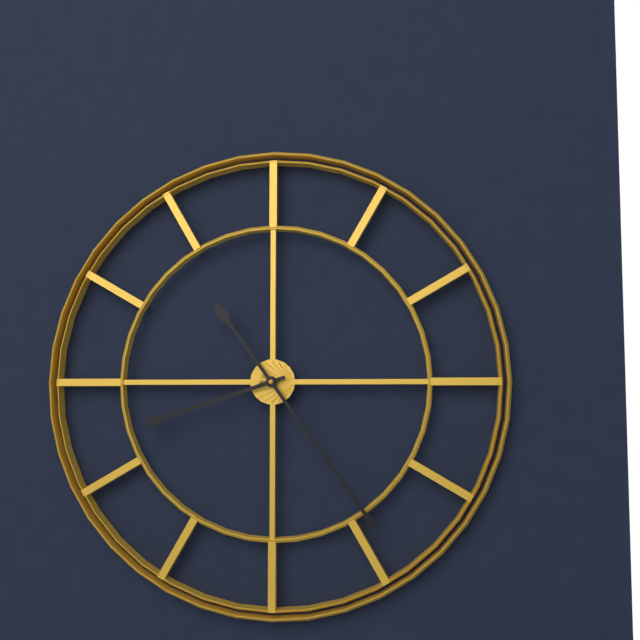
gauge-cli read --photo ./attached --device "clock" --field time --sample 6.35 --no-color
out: 8.24
